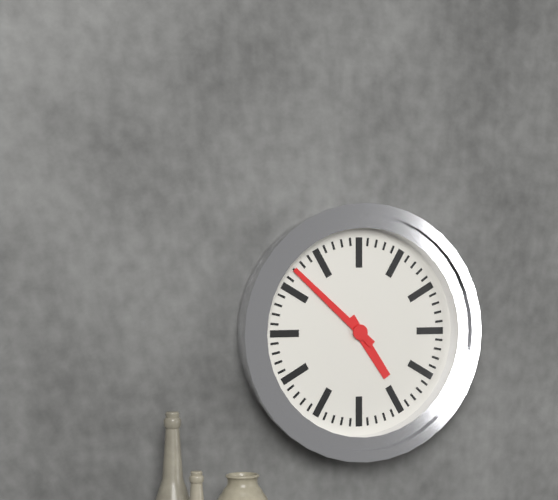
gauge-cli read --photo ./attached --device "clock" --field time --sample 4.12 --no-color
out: 4.52
